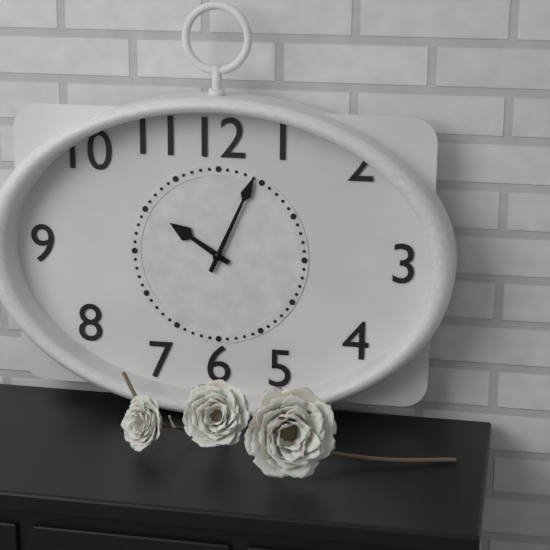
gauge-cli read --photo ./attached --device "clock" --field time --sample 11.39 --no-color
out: 10.04
